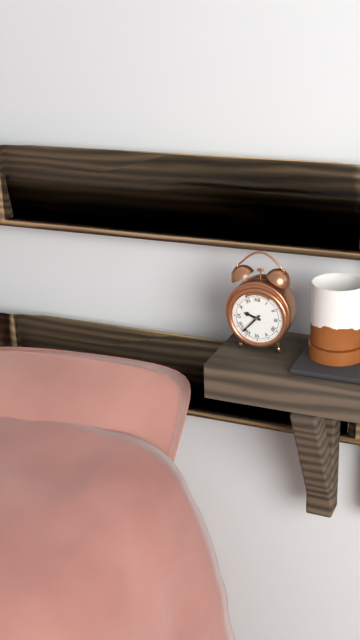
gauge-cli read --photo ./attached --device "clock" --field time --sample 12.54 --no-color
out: 9.37
